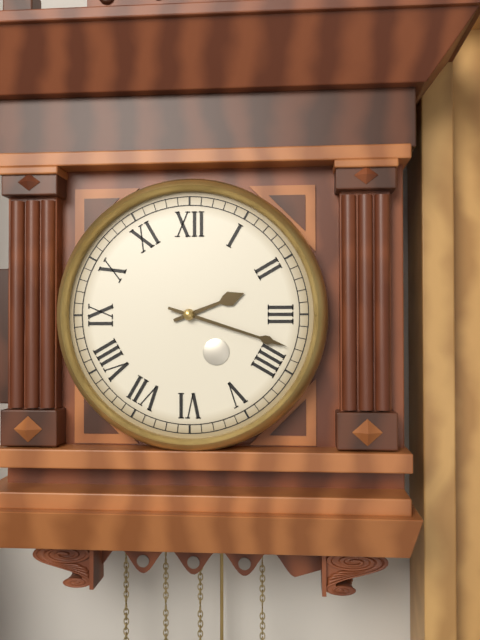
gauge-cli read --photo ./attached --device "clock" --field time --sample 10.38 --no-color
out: 2.18
